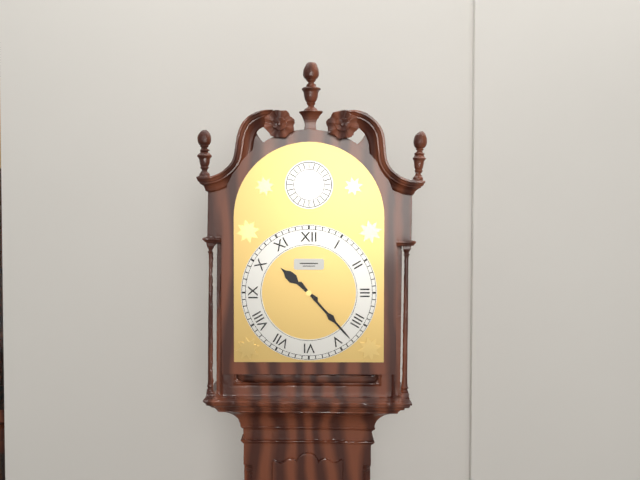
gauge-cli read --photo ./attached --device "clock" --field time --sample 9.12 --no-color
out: 10.23
